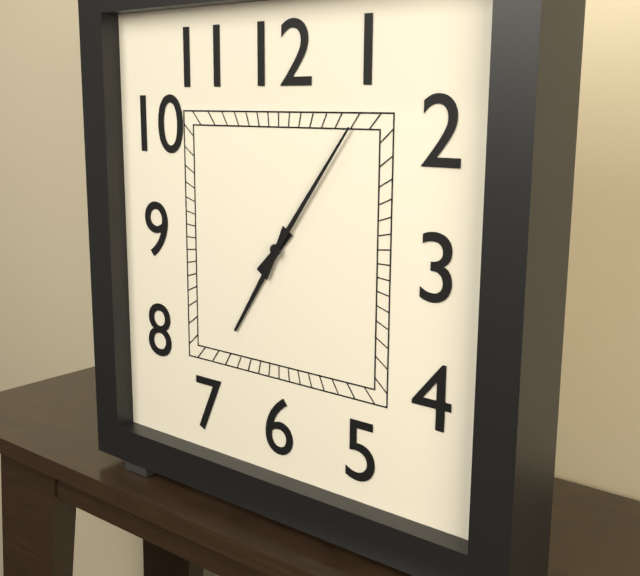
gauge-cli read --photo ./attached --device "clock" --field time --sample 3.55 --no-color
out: 7.06
